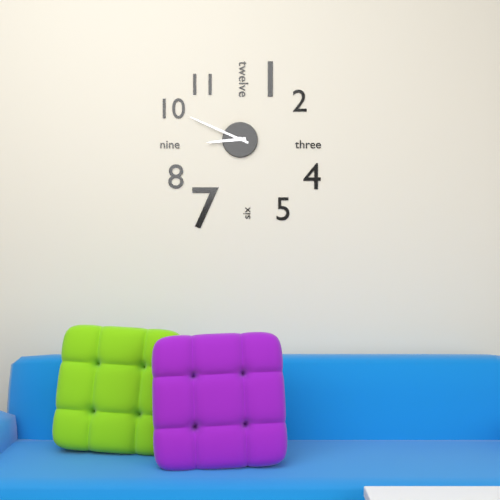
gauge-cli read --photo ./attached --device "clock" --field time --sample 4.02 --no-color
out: 8.49
